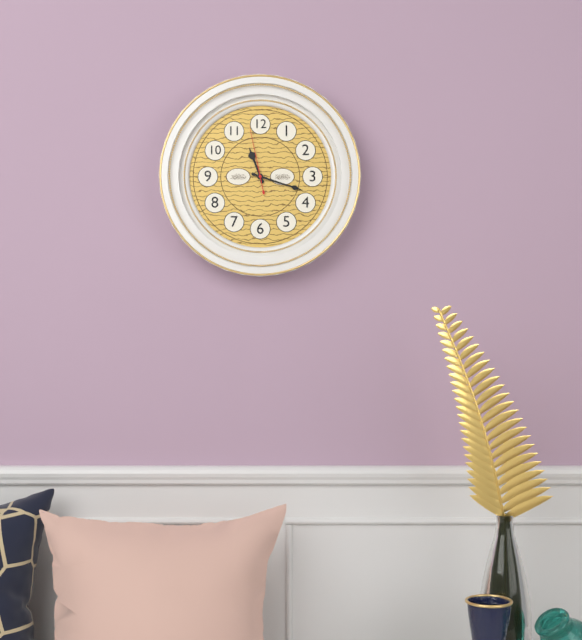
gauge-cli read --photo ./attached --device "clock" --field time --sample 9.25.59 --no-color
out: 11.18.58
